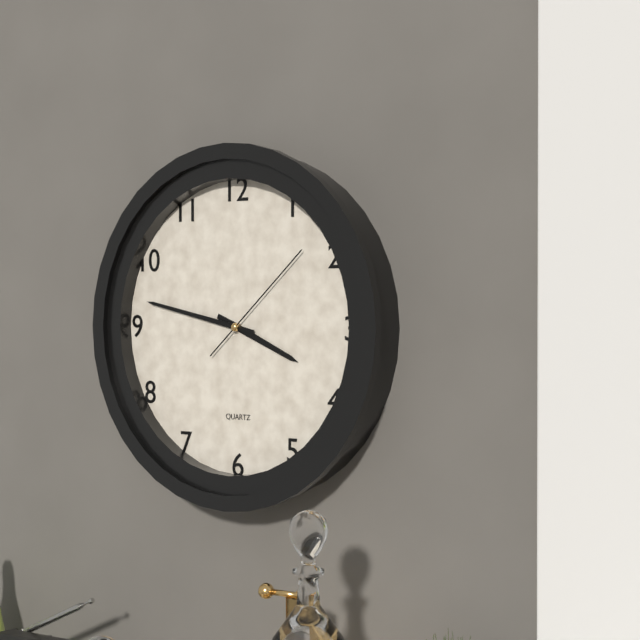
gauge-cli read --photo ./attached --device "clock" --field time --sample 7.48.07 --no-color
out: 3.47.08
